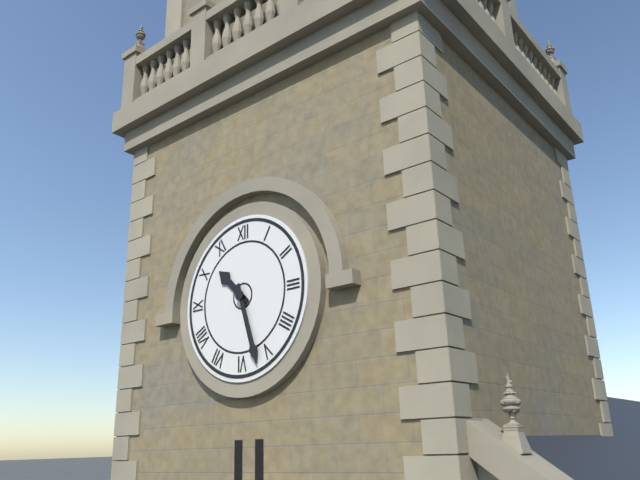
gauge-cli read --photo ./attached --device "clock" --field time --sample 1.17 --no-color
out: 10.27
